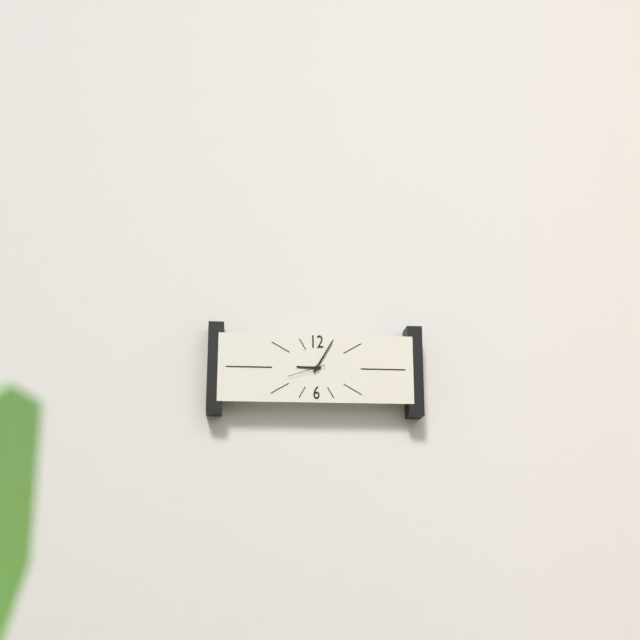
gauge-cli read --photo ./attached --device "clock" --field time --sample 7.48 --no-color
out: 9.05
